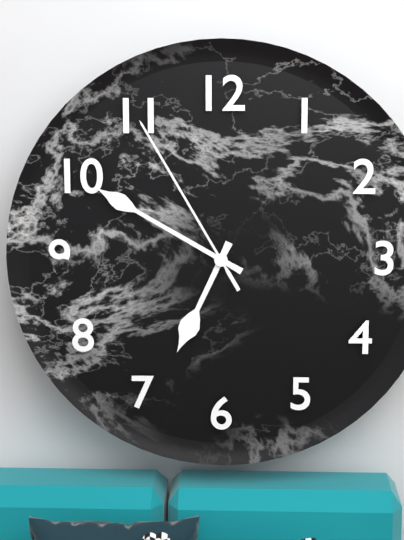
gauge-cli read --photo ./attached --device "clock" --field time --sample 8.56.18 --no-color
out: 6.50.55
